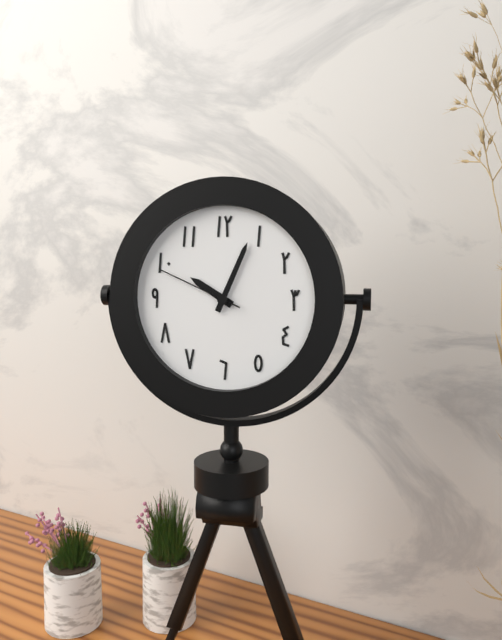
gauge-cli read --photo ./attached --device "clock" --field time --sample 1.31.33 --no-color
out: 10.04.49
